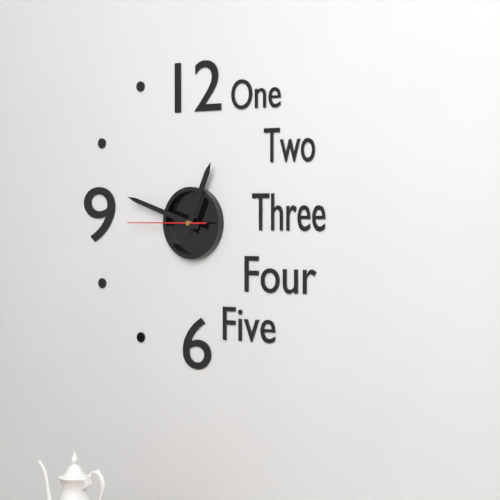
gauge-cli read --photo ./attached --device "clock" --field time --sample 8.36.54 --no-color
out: 12.48.45
